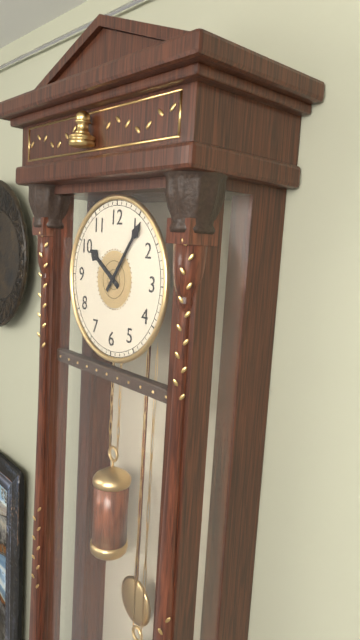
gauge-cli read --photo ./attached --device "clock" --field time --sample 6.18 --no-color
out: 10.06
